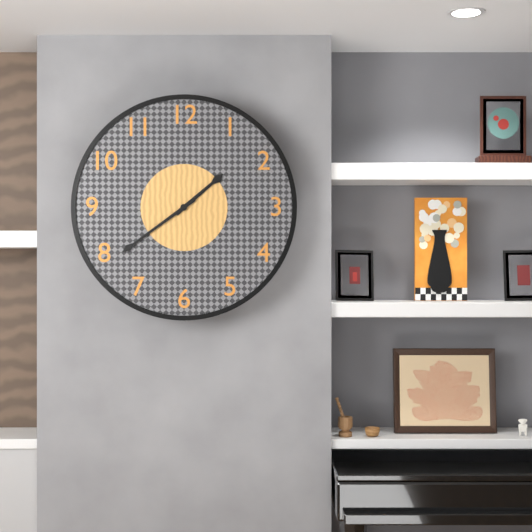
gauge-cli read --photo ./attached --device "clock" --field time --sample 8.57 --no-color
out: 1.39
